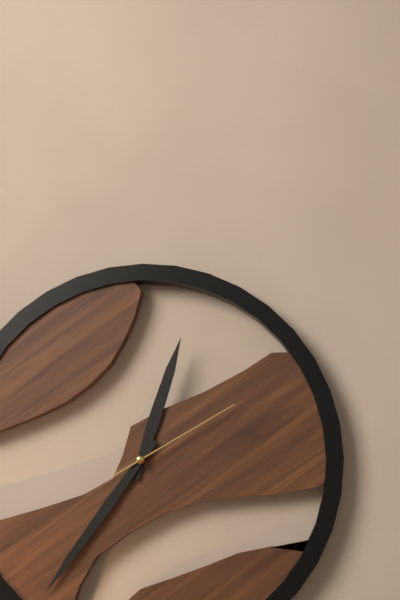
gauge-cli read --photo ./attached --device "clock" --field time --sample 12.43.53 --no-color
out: 12.36.10
